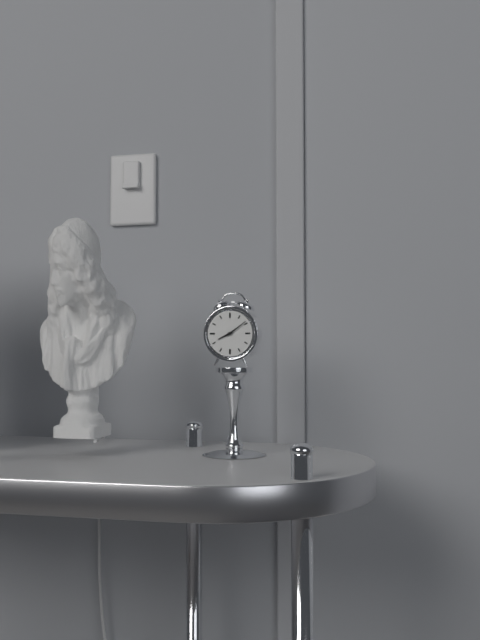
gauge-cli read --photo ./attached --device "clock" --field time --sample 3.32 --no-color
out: 8.09
